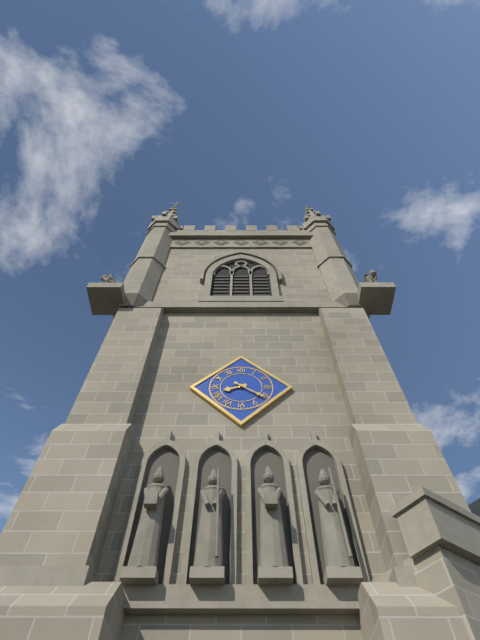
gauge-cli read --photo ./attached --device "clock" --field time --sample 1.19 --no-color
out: 8.21
